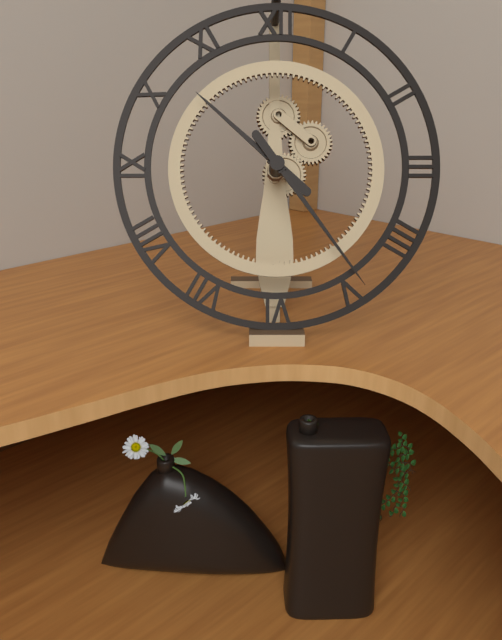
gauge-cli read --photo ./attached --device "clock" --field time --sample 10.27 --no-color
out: 10.24
